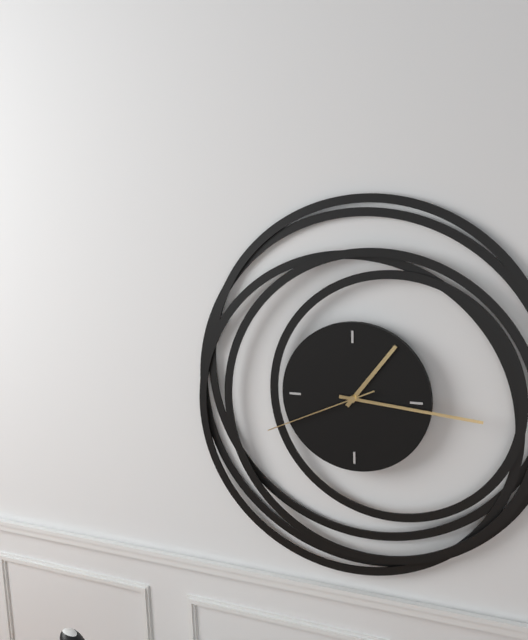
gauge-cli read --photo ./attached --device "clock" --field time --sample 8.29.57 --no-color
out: 1.16.41
